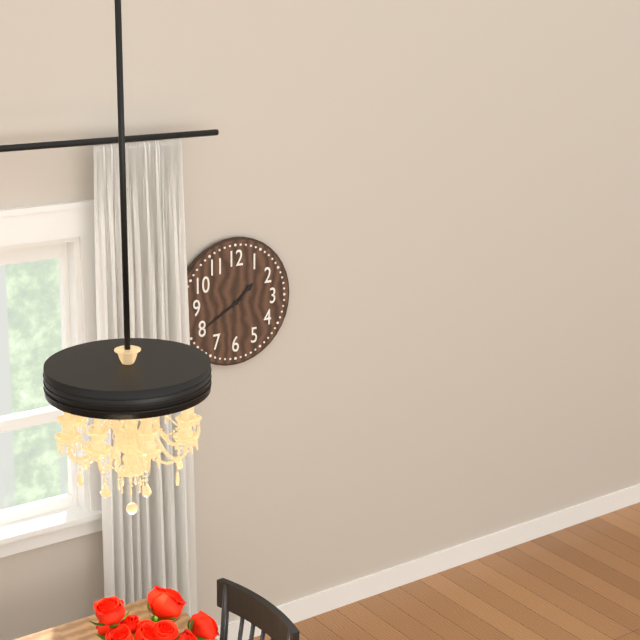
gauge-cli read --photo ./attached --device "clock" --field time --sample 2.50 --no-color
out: 1.40
